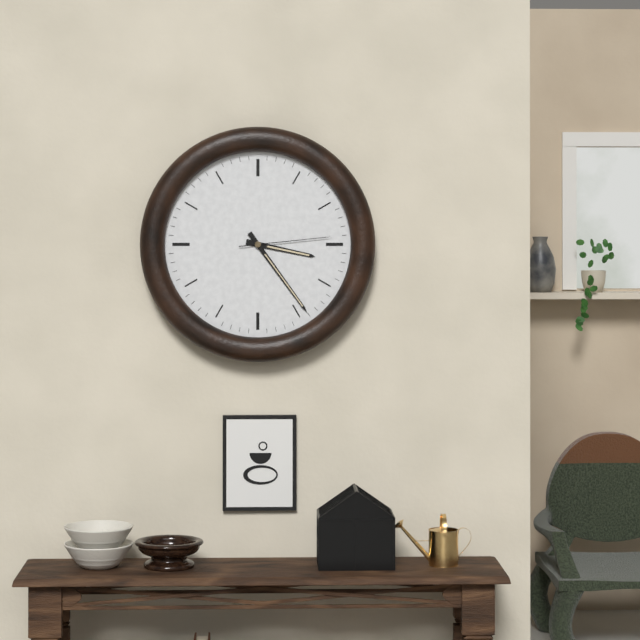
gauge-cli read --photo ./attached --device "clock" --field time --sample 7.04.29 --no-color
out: 3.24.14
